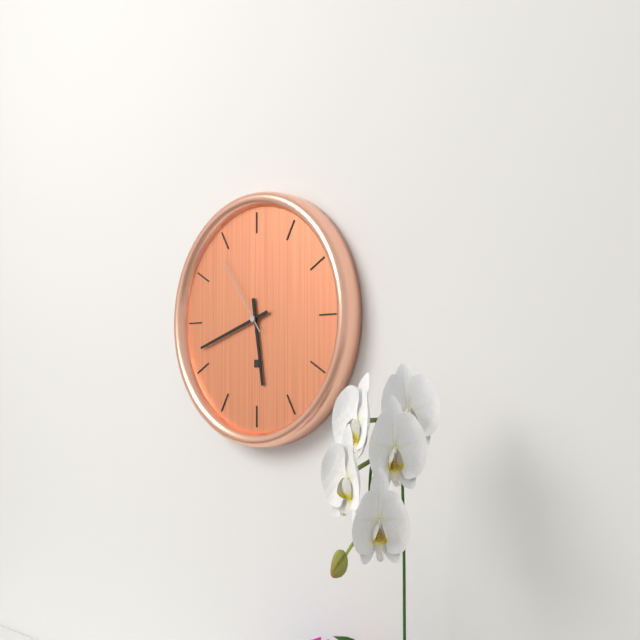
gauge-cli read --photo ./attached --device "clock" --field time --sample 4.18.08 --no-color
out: 5.42.54
